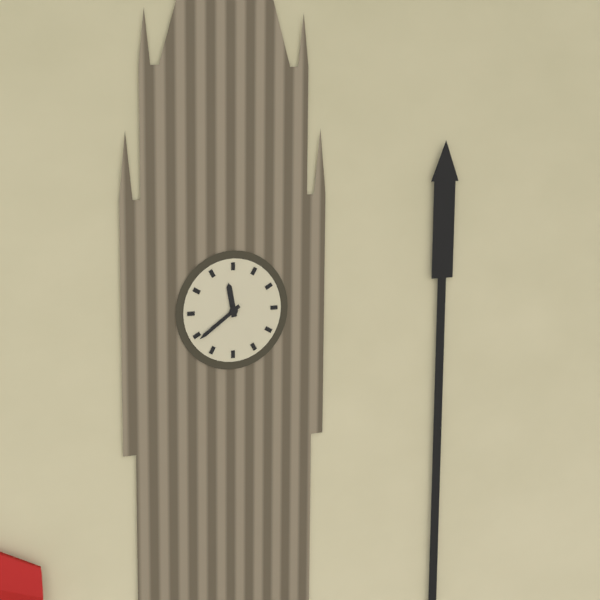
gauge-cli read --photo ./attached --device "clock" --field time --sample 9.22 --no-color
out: 11.39
